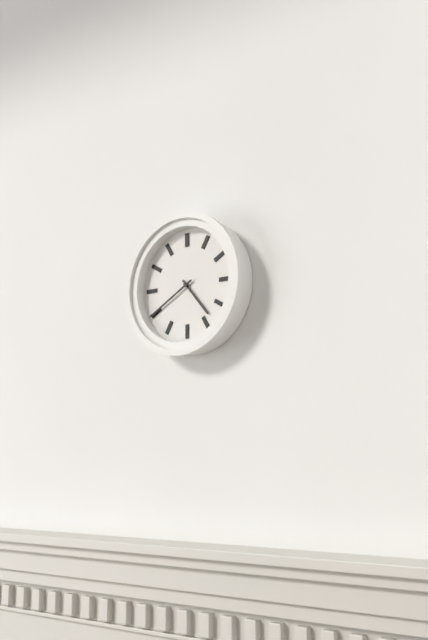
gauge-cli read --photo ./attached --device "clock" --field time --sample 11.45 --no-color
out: 4.40
